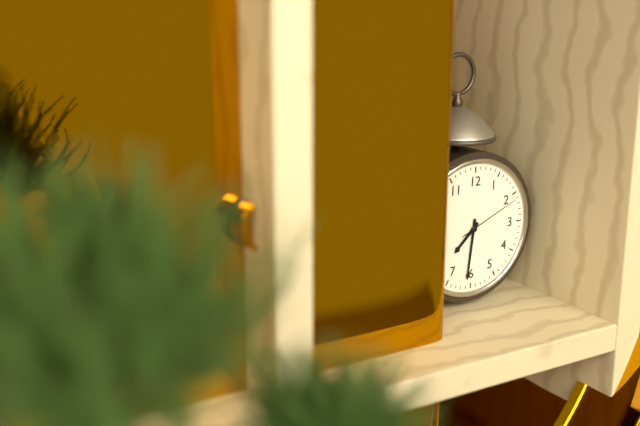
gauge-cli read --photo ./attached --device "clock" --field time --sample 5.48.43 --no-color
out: 7.31.11
